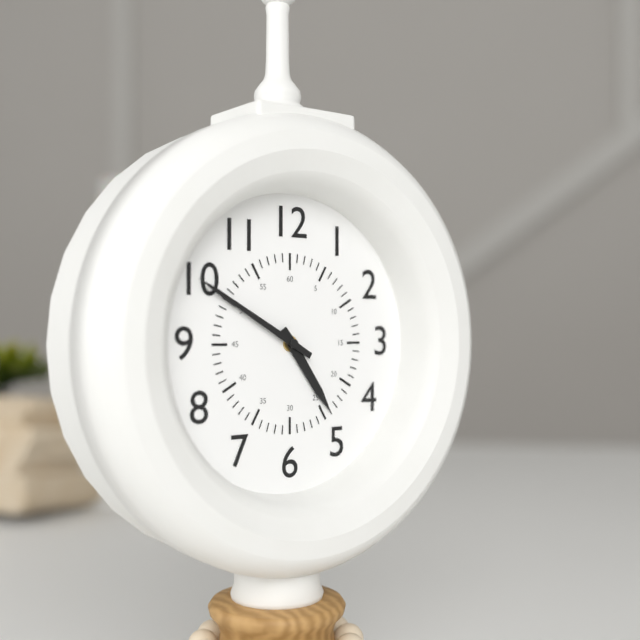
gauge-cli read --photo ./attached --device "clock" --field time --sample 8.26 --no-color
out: 4.50
